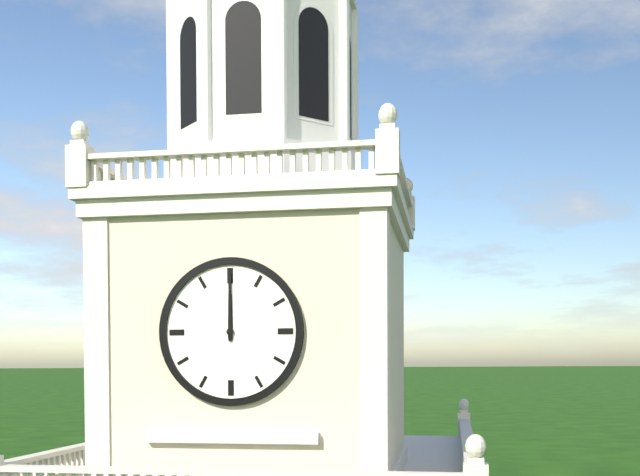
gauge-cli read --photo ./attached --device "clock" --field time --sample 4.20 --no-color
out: 12.00
